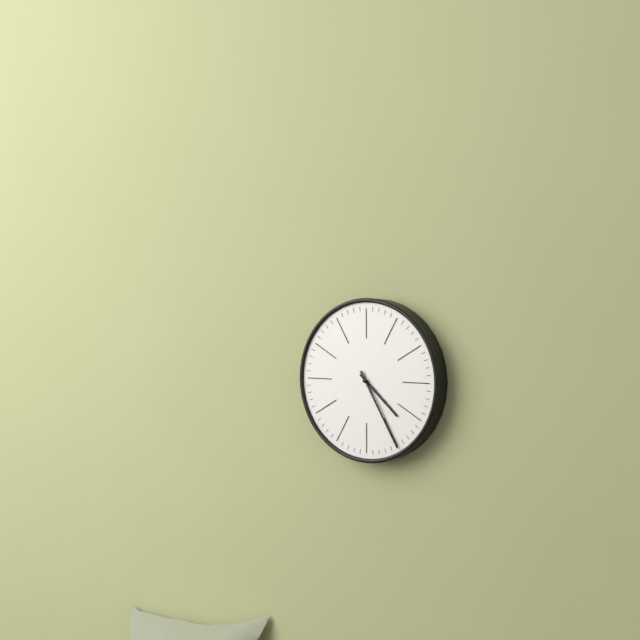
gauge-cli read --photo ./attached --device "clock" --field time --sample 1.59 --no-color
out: 4.25
